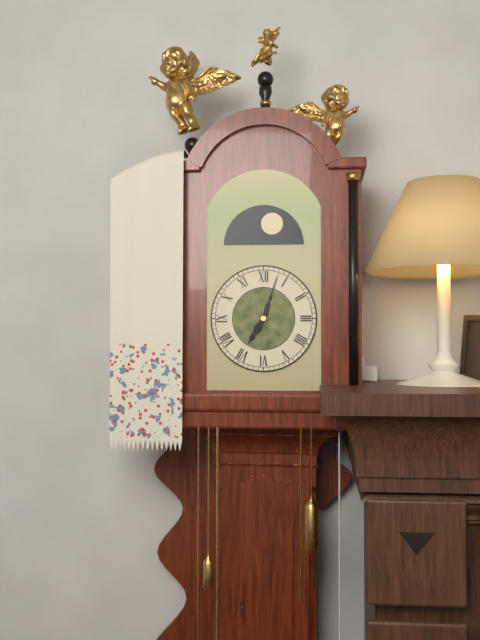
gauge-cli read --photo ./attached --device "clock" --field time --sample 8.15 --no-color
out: 7.03
